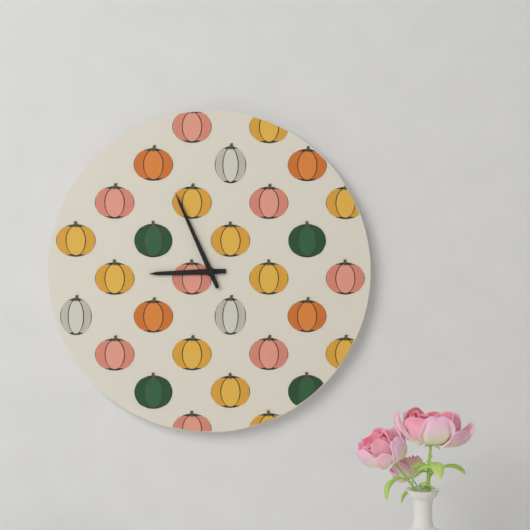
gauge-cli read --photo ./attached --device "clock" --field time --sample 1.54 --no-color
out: 8.56
